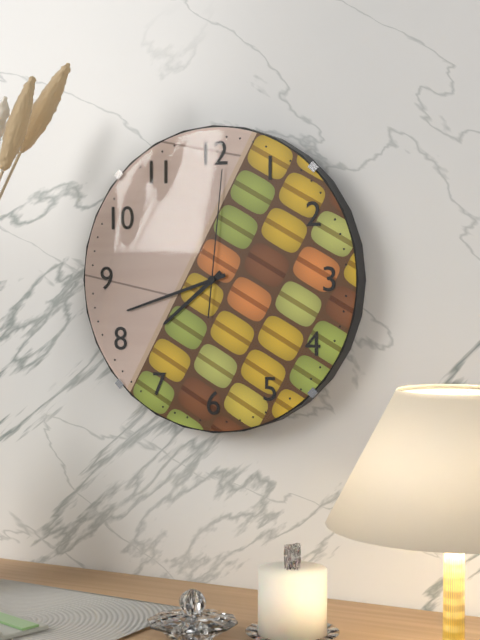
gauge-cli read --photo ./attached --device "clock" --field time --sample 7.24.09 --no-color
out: 7.42.01
